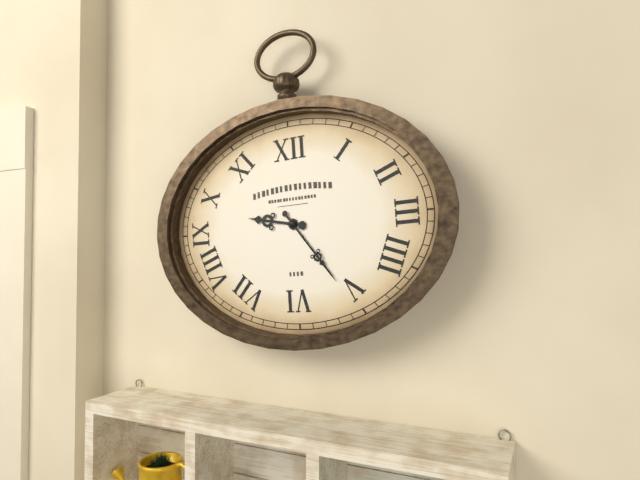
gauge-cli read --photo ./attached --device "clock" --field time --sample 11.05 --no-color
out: 9.24
